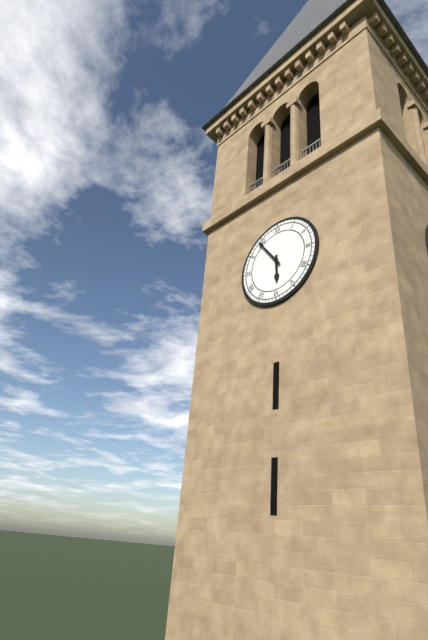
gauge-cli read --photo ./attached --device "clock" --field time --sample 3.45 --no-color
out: 5.54
